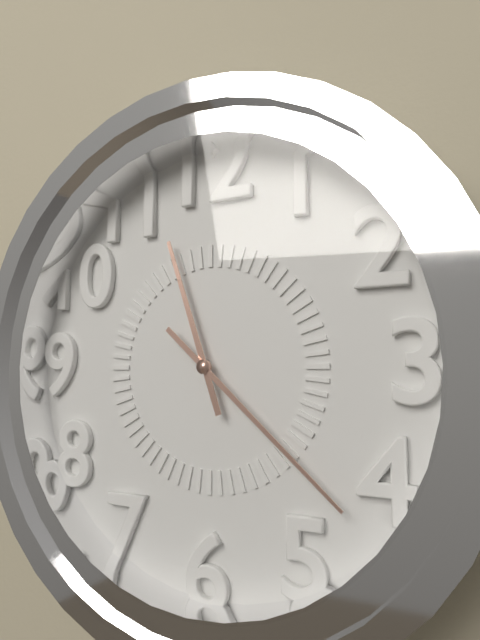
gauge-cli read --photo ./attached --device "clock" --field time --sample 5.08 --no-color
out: 11.22
